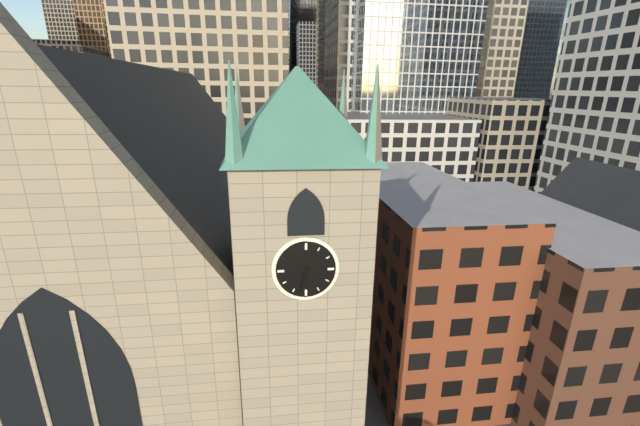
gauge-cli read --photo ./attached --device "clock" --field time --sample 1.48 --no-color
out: 6.33
